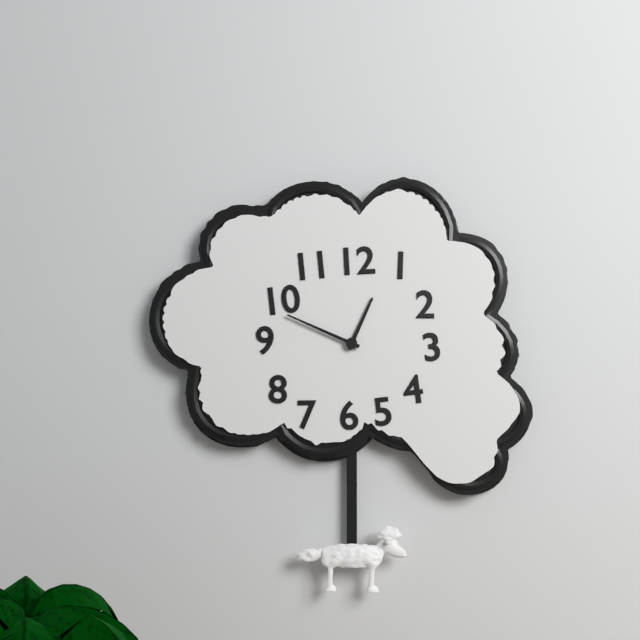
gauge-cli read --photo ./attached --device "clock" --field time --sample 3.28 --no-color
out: 12.49
